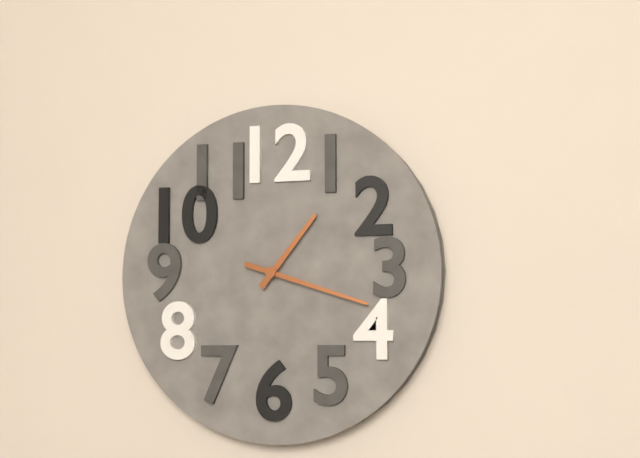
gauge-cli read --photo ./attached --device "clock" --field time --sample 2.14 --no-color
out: 1.18
